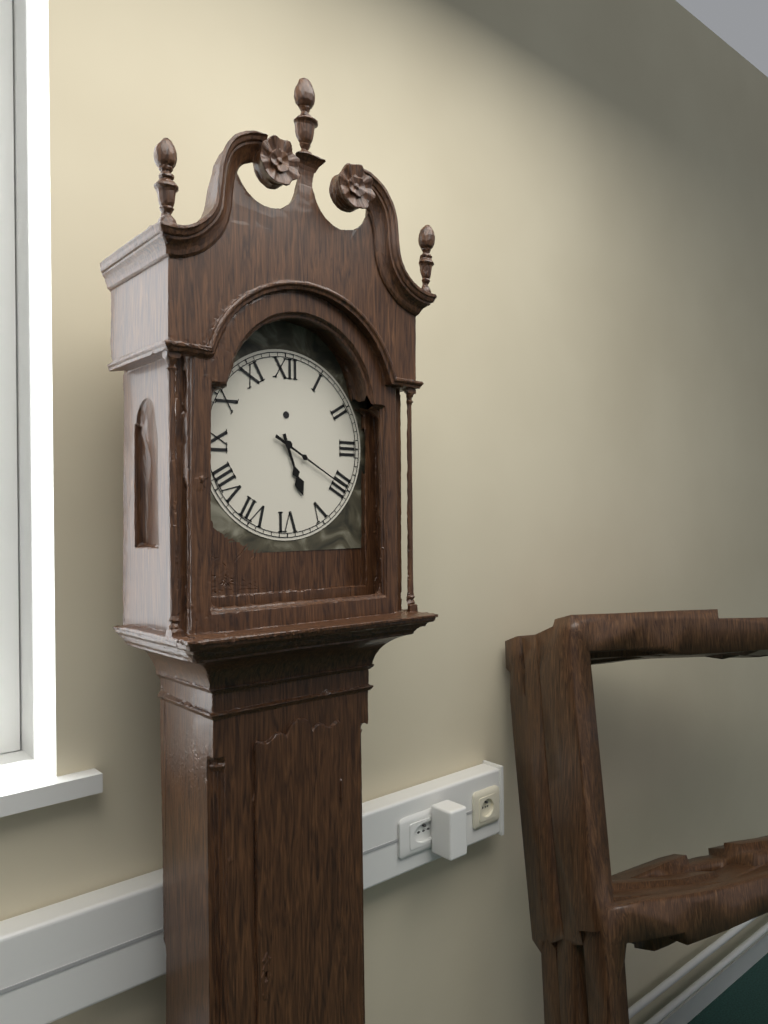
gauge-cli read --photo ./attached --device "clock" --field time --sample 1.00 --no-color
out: 5.20
